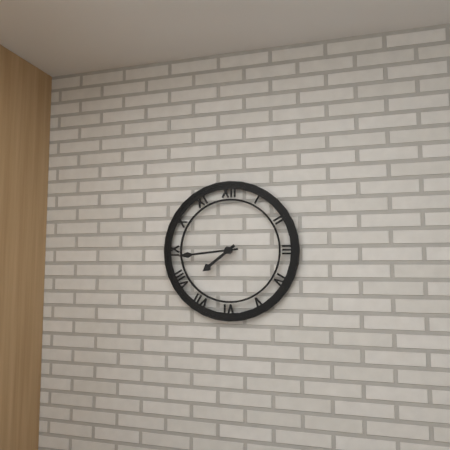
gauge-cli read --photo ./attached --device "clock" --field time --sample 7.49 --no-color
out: 7.44
